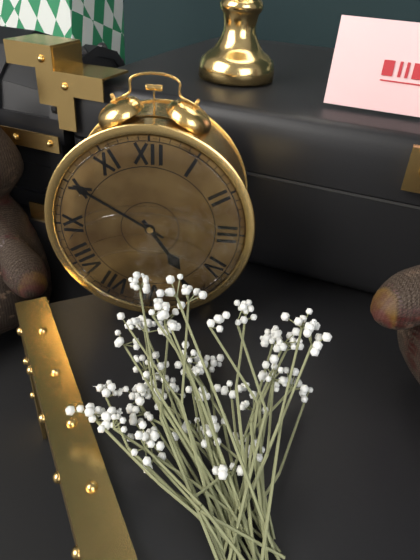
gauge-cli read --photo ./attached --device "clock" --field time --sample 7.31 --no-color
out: 4.50
